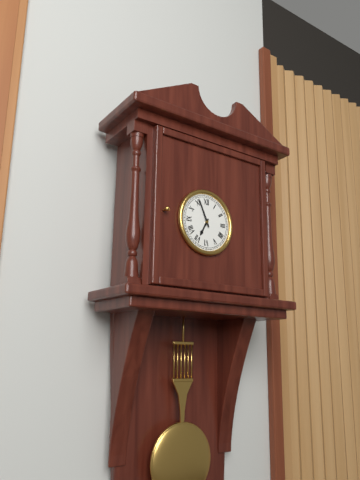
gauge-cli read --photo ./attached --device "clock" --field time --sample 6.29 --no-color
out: 6.56
